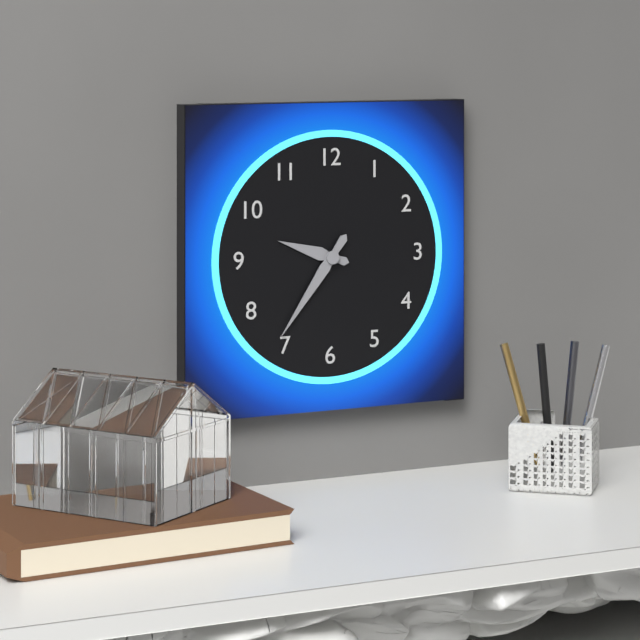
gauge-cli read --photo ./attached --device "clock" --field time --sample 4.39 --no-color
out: 9.36
